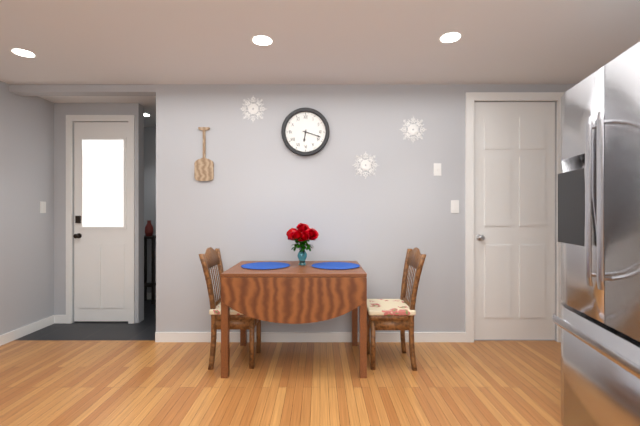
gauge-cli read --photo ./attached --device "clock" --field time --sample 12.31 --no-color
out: 6.18
